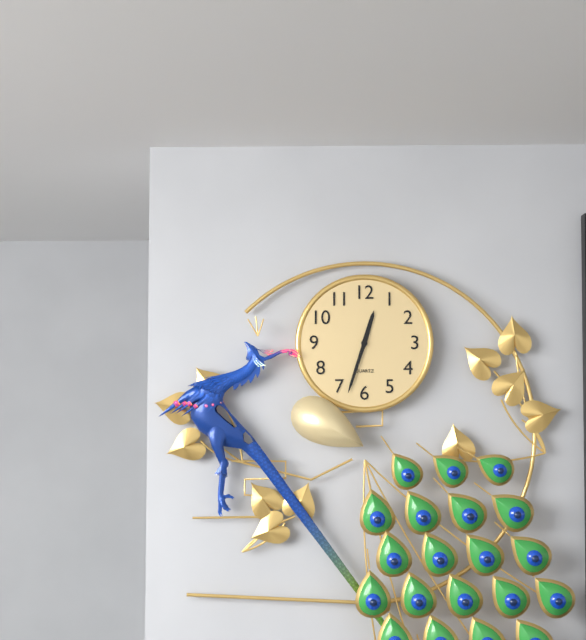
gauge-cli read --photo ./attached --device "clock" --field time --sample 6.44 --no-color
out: 12.33
